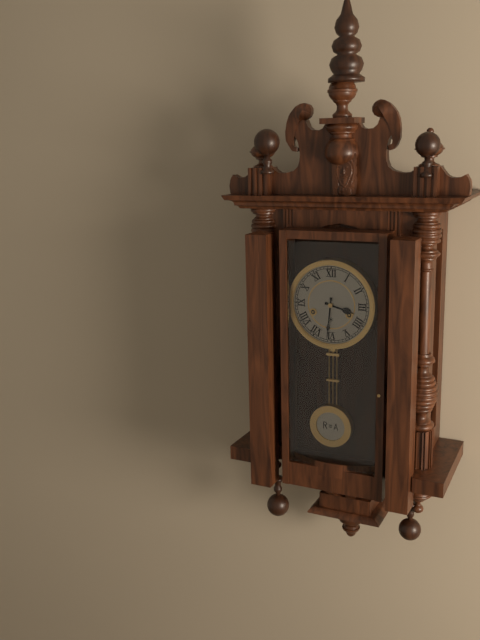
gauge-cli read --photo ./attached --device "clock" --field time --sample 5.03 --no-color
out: 3.31
